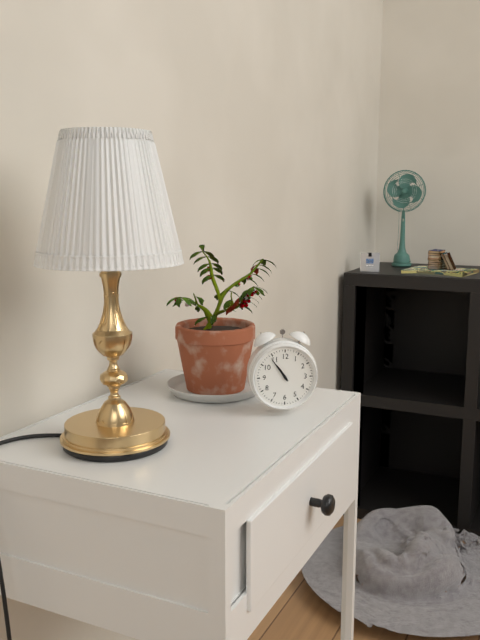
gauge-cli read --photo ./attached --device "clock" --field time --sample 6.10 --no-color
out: 10.54
